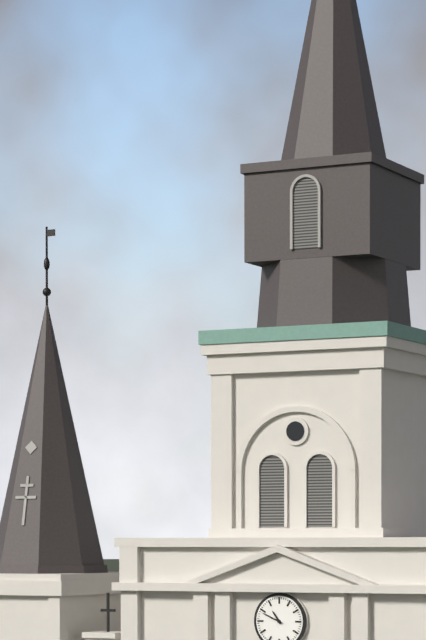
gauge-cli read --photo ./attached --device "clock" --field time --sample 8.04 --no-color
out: 10.49
